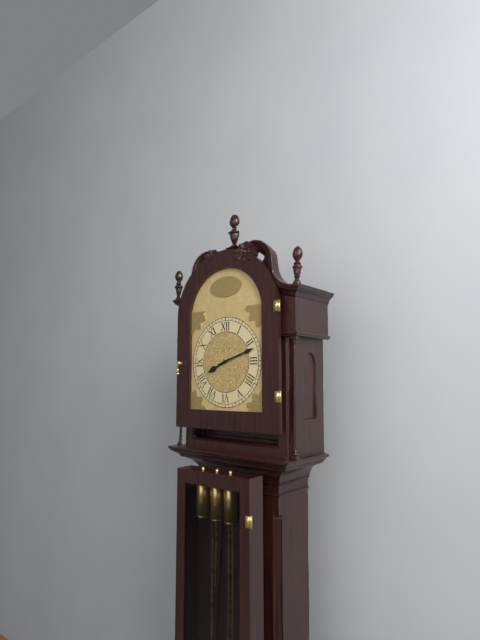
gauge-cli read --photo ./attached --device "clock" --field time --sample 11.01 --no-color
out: 8.12
